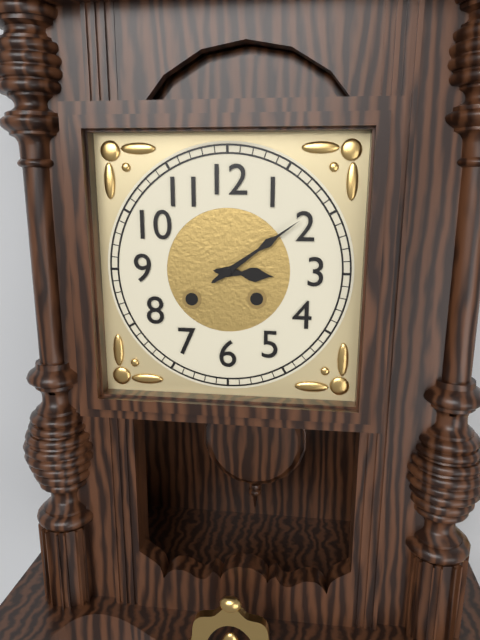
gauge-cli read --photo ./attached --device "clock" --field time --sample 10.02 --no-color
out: 3.09
